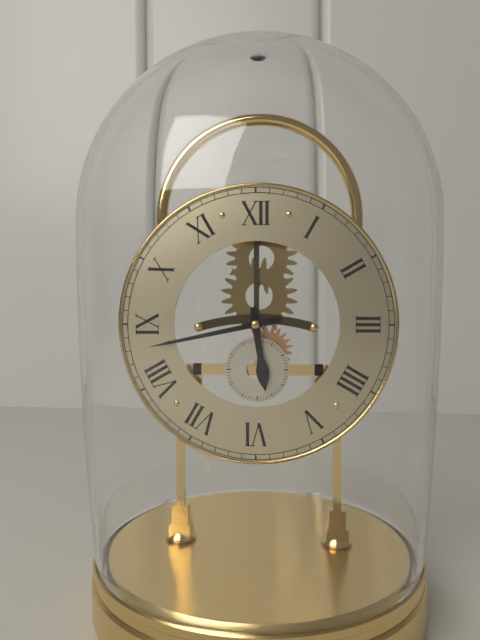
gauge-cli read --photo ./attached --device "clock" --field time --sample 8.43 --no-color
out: 5.43
